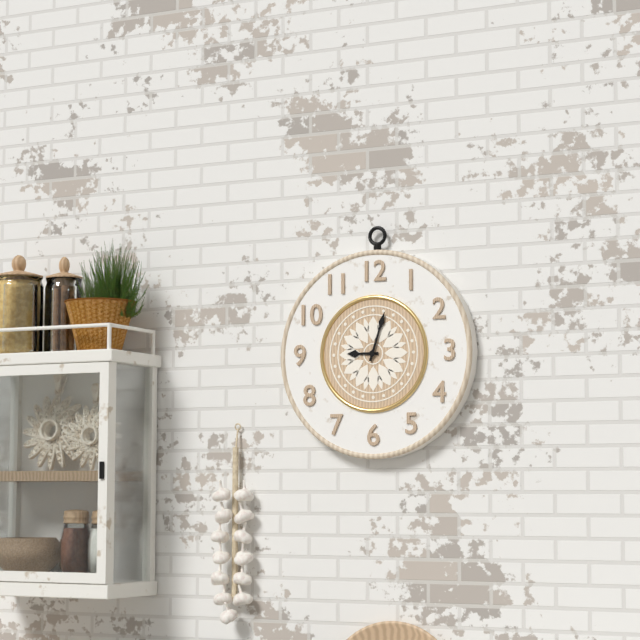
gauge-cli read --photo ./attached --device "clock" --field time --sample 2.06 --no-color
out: 9.03
